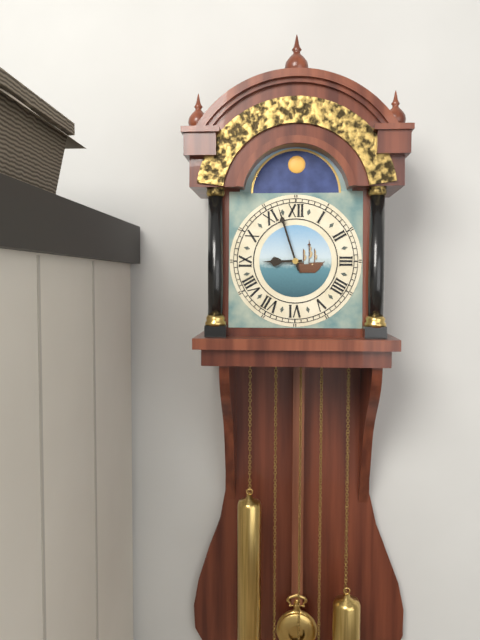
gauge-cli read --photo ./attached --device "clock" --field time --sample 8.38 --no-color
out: 8.57
